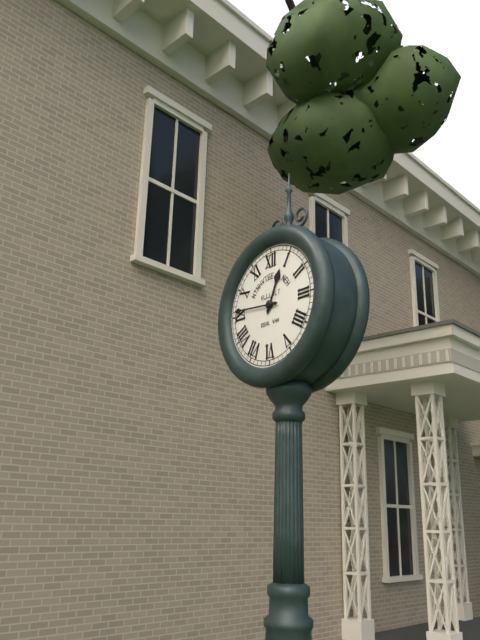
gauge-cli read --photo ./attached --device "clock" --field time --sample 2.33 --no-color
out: 12.46
